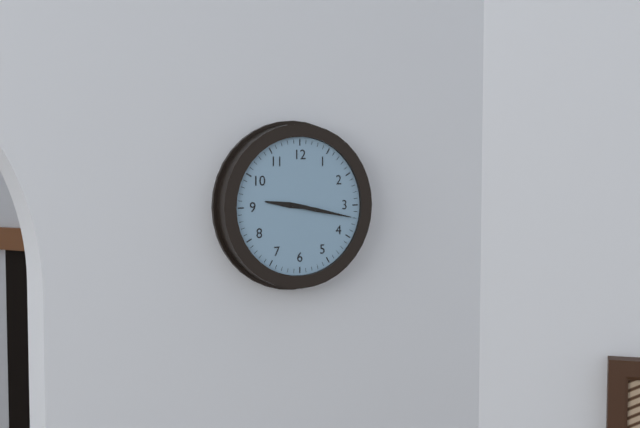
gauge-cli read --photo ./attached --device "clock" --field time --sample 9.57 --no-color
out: 9.17
